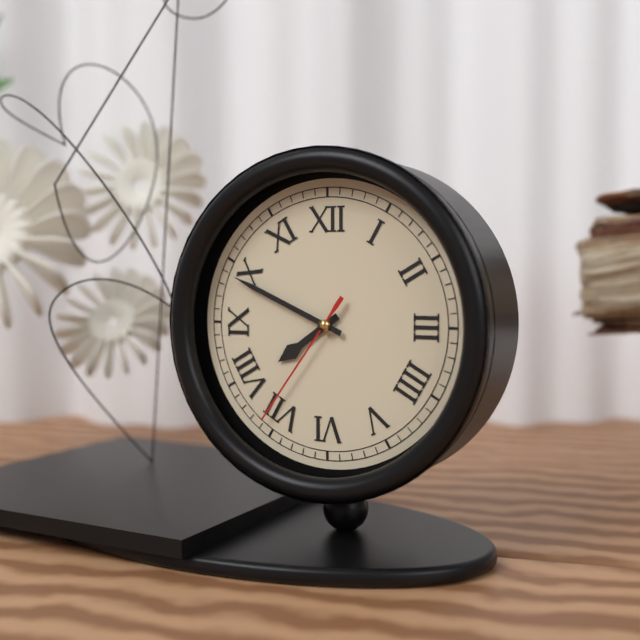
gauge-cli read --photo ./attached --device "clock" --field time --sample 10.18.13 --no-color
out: 7.49.36
